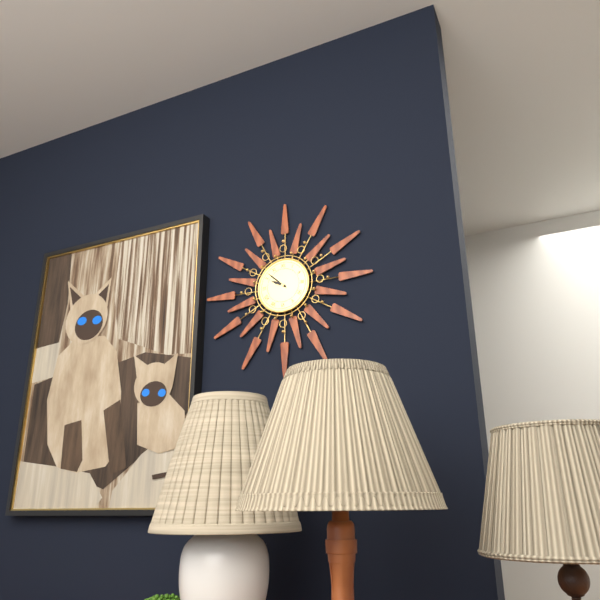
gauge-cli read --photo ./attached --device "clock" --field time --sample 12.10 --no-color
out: 9.52
